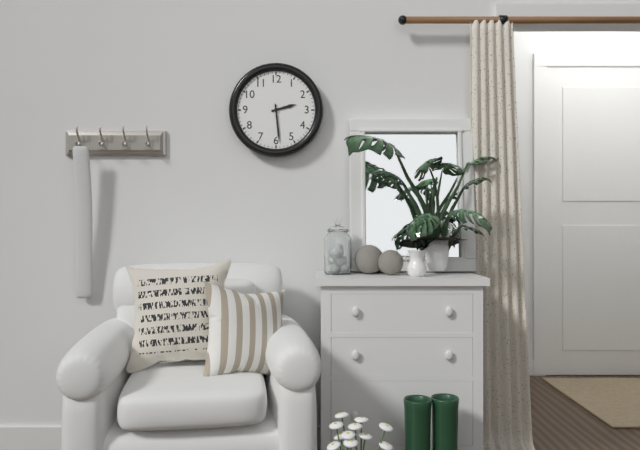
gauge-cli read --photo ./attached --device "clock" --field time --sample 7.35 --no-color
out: 2.29
